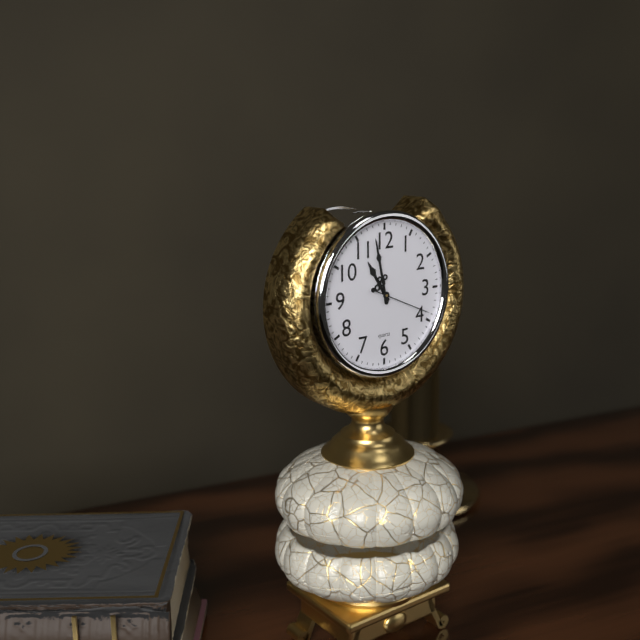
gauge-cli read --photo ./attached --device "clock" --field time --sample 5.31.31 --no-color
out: 10.58.19
